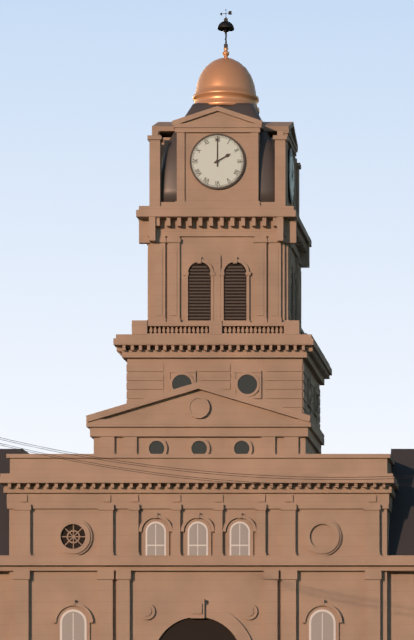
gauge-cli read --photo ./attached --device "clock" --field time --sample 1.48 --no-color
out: 2.00
